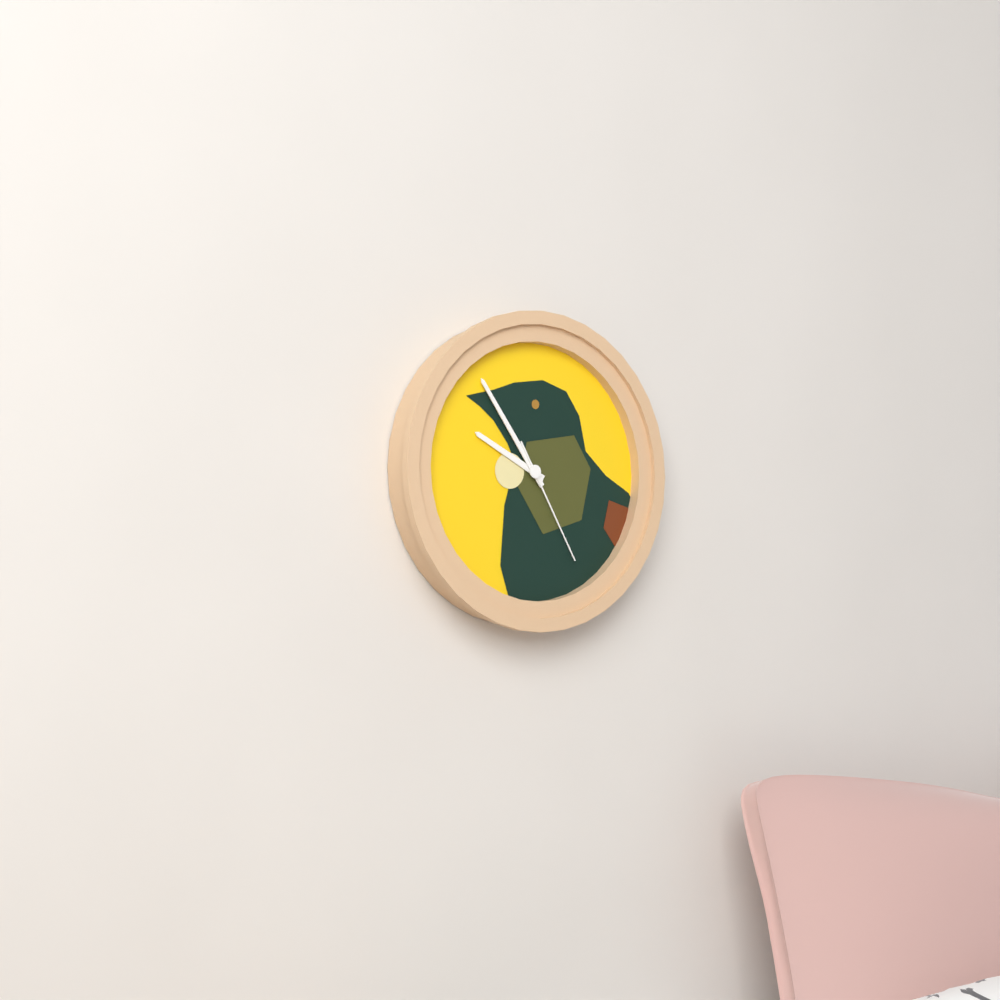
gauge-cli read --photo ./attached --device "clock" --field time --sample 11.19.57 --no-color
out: 9.54.25
